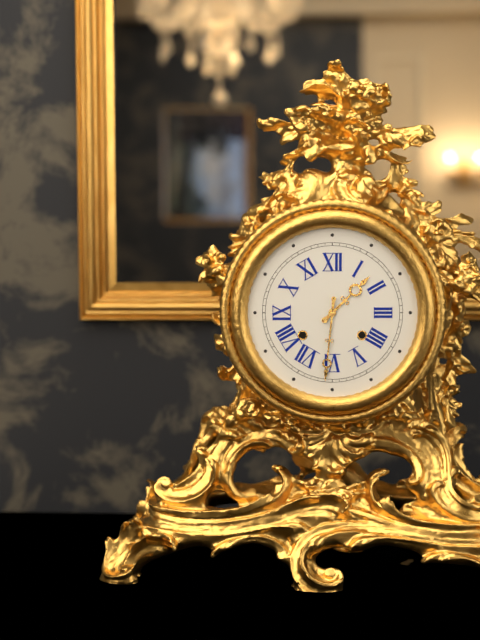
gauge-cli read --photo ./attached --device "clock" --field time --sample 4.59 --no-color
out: 1.31
